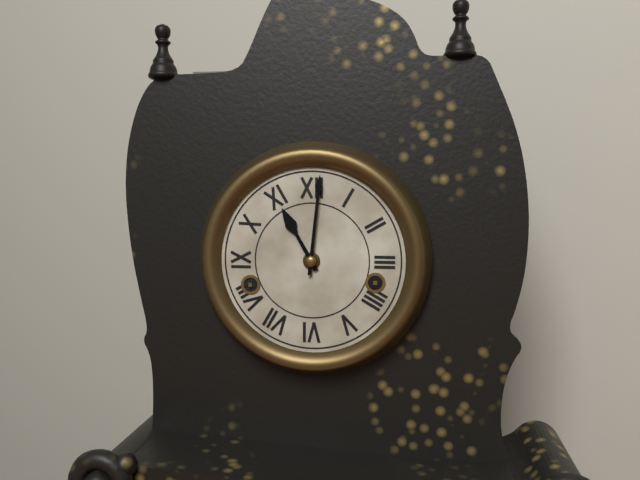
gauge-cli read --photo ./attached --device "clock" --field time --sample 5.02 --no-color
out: 11.01
